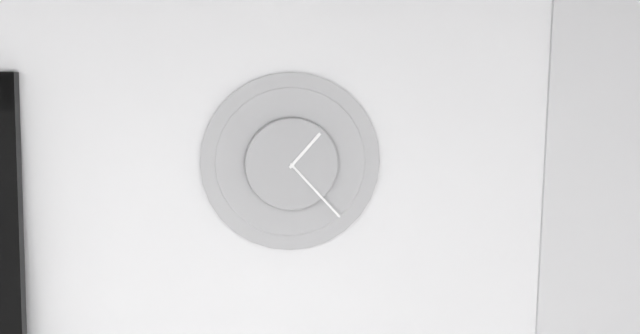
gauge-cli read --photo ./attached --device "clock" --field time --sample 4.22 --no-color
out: 1.23
